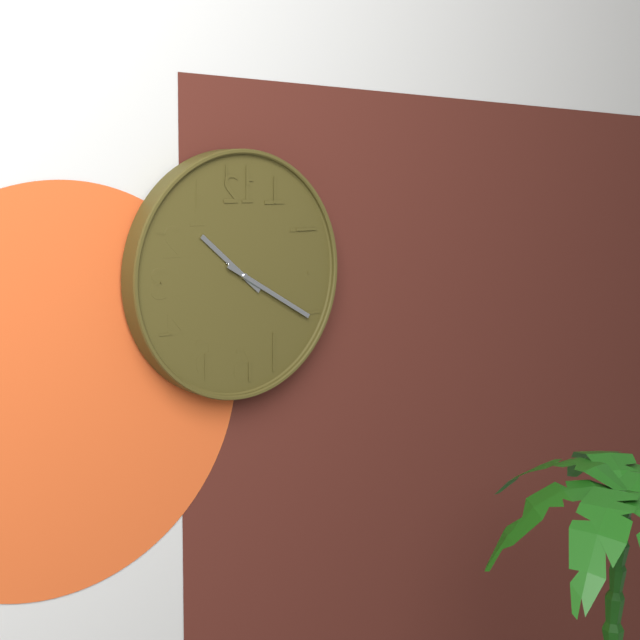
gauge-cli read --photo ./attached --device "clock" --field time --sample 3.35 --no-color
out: 10.20
